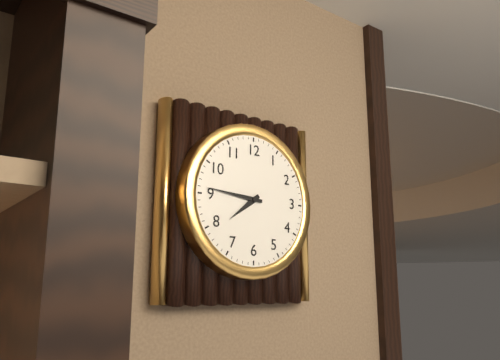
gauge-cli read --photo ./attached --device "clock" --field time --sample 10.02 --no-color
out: 7.46
